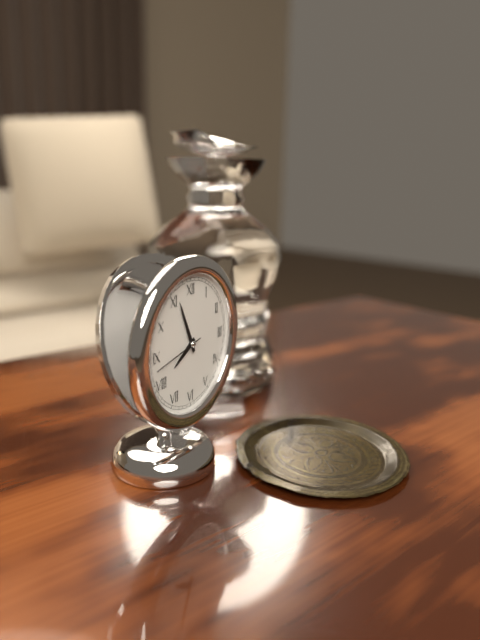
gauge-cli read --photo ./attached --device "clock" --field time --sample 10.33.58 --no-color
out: 7.56.43
